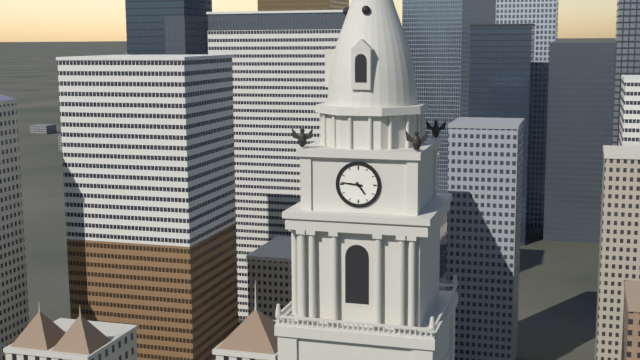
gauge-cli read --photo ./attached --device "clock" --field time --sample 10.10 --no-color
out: 4.46
